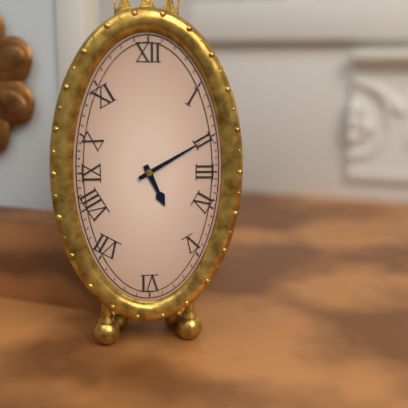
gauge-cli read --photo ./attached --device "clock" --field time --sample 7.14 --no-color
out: 5.10
